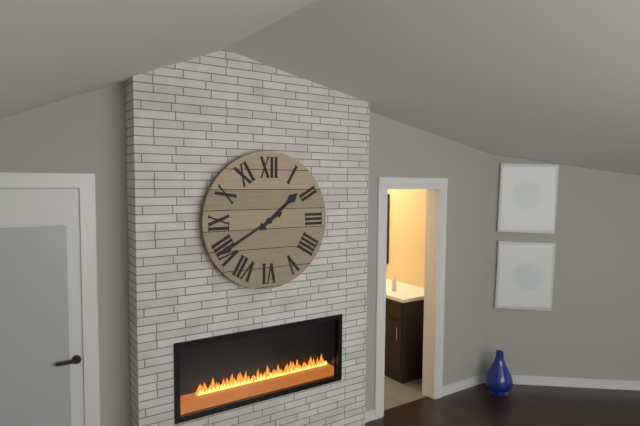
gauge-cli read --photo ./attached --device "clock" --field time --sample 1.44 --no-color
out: 1.40
